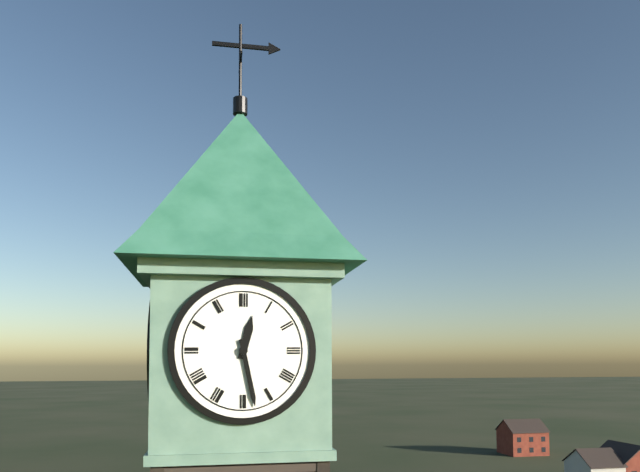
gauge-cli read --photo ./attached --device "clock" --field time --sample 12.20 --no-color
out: 12.28
